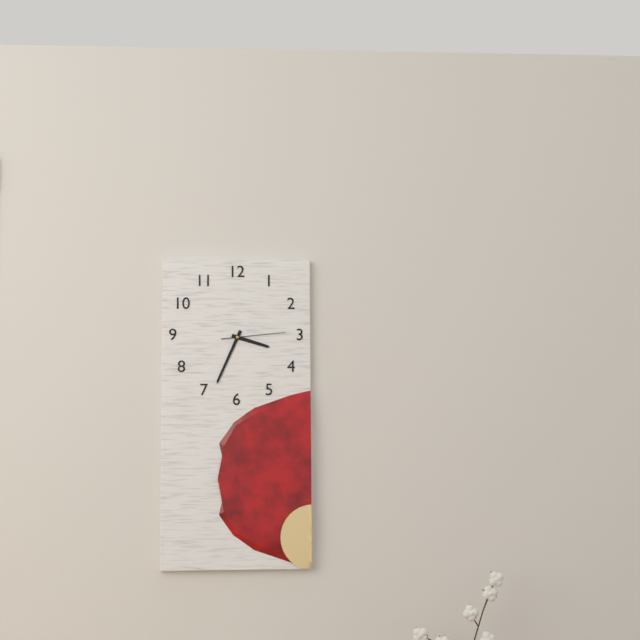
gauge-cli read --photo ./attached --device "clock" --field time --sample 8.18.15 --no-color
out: 3.34.14
